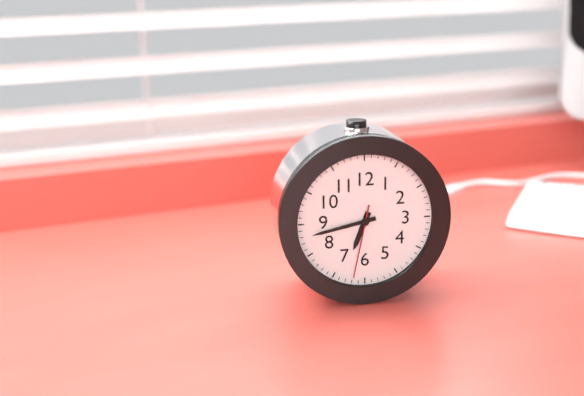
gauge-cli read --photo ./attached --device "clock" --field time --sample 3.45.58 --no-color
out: 6.43.32
